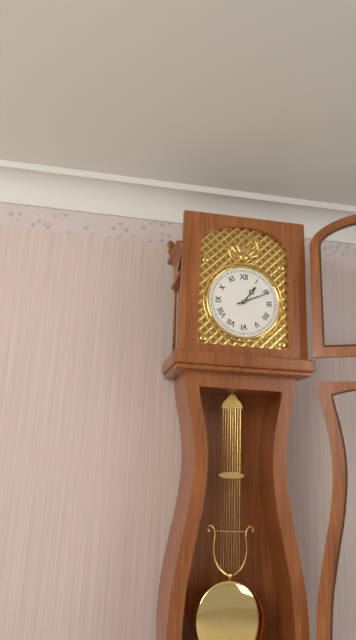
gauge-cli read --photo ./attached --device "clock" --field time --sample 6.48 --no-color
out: 1.11
